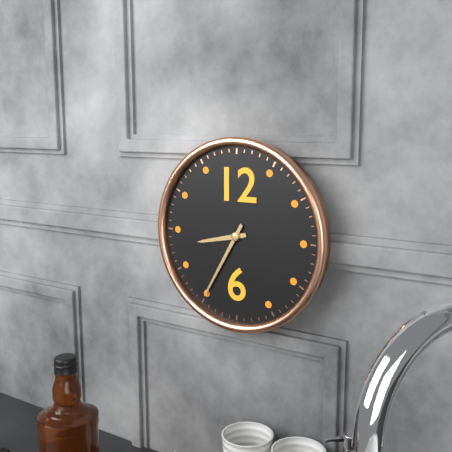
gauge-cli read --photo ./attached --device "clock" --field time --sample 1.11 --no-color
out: 8.35
